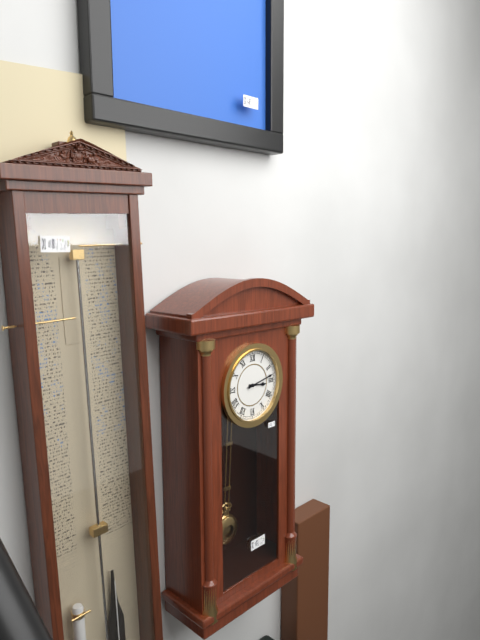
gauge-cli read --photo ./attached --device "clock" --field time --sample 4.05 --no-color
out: 3.13
